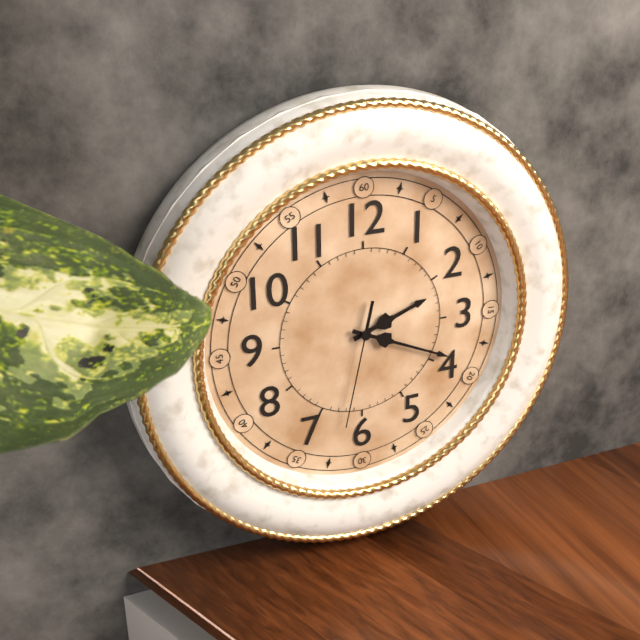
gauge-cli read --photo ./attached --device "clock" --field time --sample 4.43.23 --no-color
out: 2.19.32
